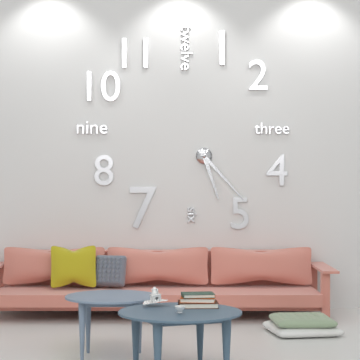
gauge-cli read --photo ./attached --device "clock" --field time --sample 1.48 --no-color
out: 5.23
